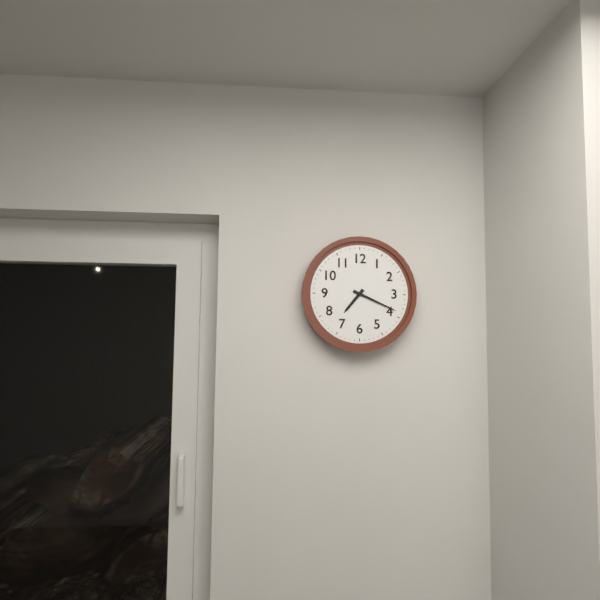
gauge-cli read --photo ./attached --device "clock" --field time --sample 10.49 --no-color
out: 7.19
